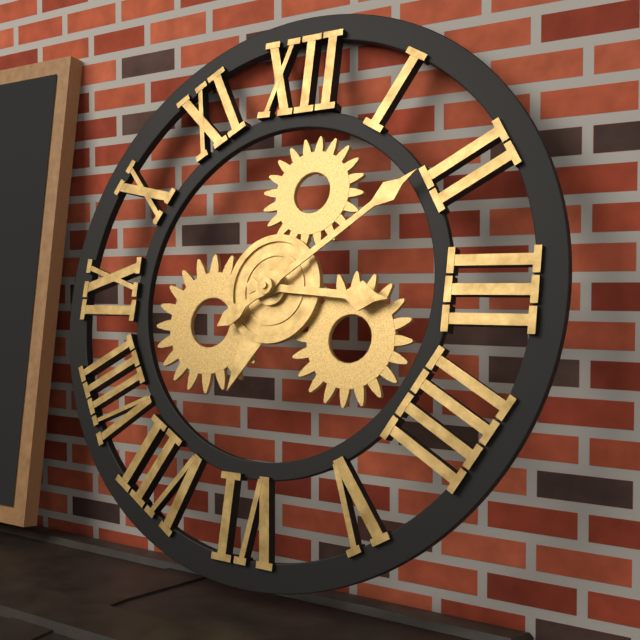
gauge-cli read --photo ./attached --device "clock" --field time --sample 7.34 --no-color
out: 3.09
